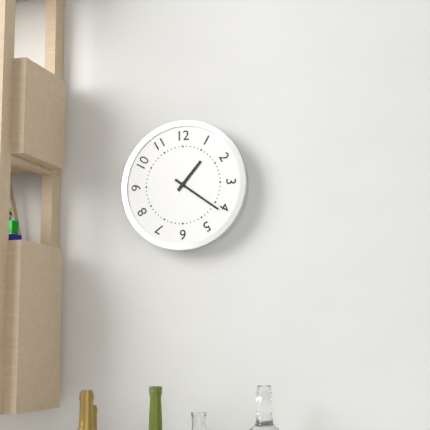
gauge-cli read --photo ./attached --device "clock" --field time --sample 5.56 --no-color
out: 1.21
